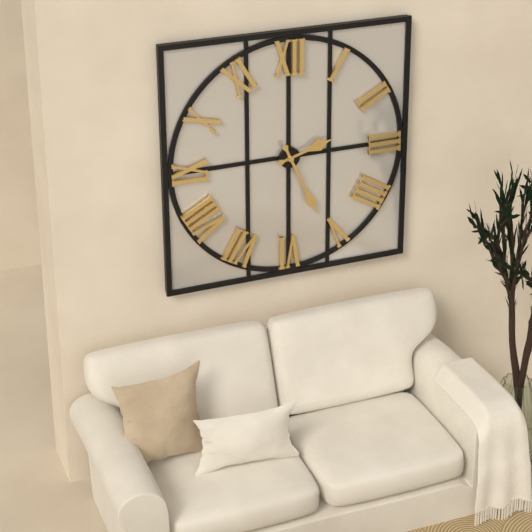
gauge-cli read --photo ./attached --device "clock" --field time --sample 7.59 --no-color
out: 2.26
